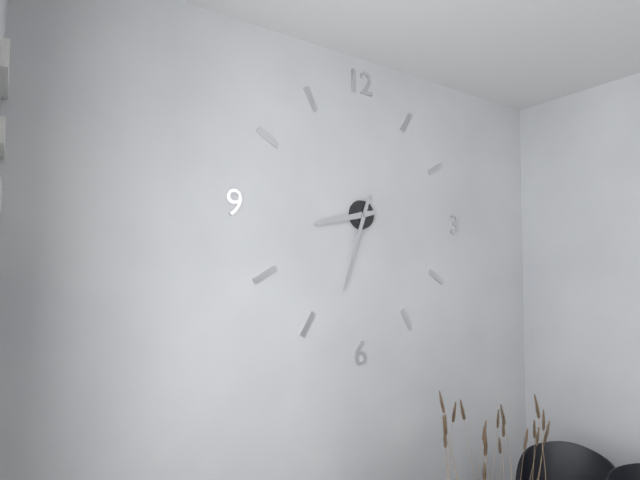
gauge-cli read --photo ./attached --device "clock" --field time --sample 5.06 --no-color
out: 8.33
